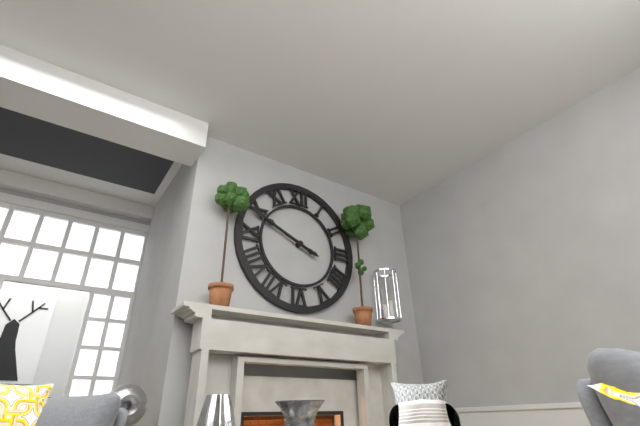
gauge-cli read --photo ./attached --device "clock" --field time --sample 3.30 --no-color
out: 9.49
